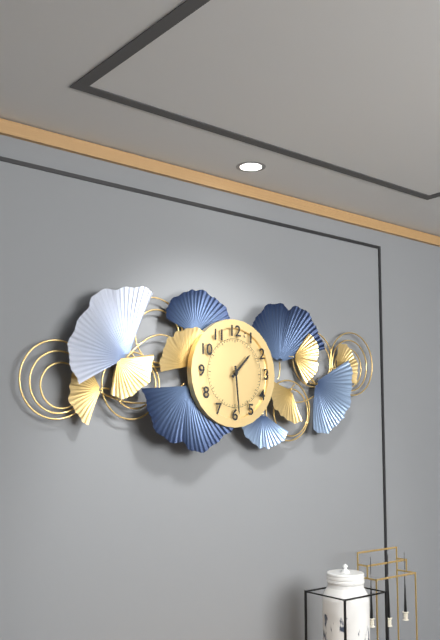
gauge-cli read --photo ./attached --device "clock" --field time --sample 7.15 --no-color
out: 1.29
